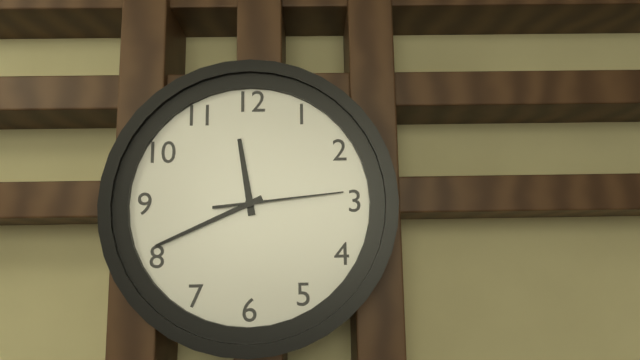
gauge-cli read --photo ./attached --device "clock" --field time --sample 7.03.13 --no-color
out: 11.41.14
